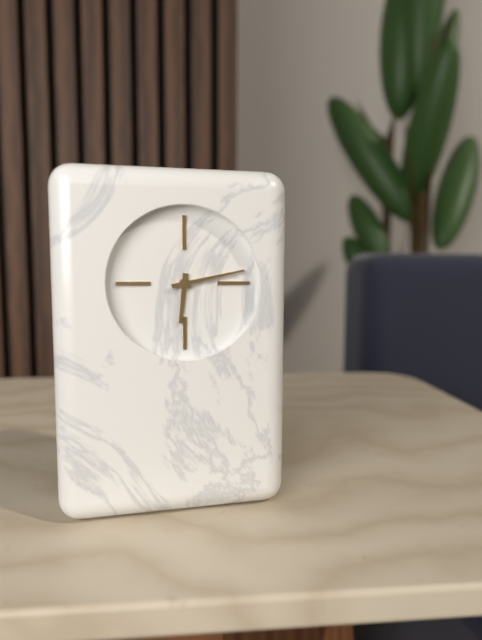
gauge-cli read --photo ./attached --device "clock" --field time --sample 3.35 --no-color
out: 6.13
